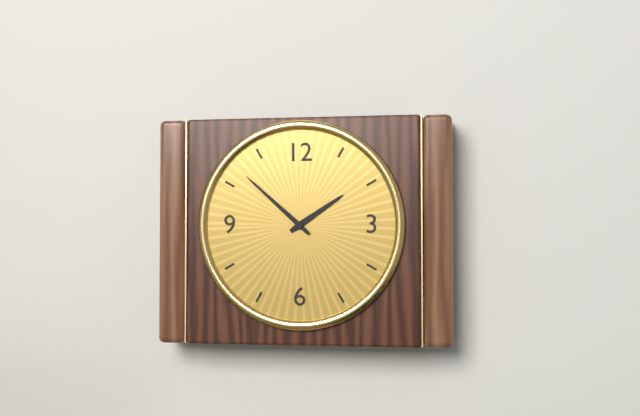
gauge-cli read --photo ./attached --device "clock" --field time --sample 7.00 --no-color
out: 1.52
